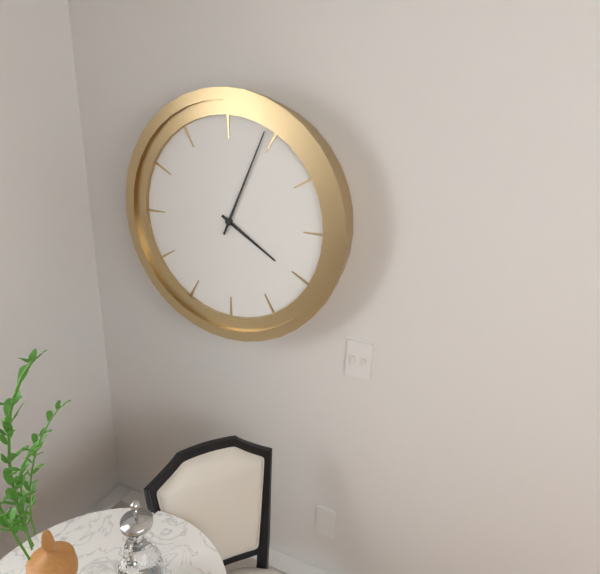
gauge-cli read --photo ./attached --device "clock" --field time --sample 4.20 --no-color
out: 4.04
